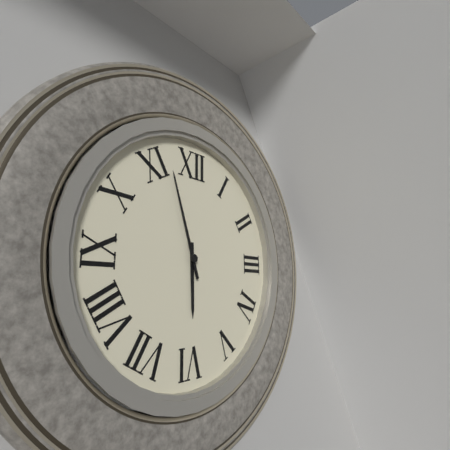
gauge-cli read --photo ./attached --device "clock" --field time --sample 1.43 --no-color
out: 5.57
